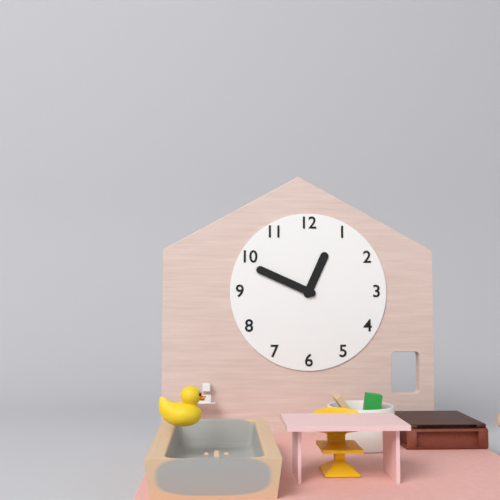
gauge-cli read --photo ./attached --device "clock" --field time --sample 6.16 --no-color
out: 12.49
